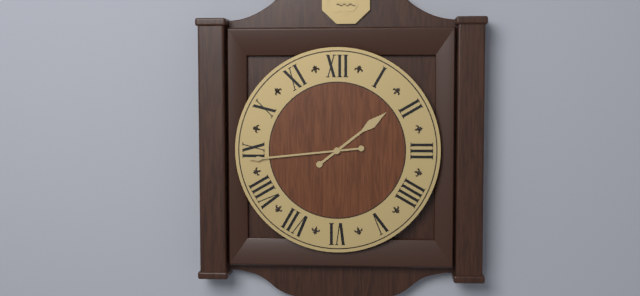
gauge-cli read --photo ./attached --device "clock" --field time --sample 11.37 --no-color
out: 1.44
